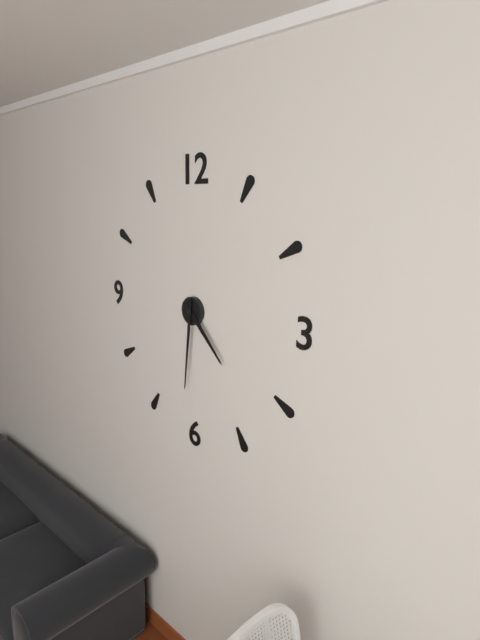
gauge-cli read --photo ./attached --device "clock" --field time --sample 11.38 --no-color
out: 4.31
